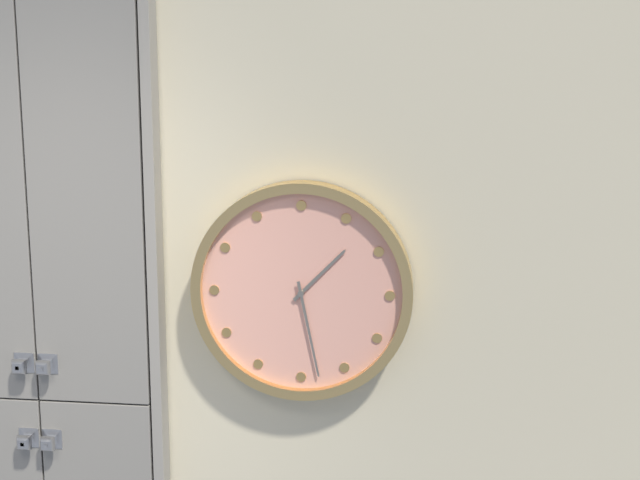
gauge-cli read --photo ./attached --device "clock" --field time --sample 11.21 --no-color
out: 1.28
